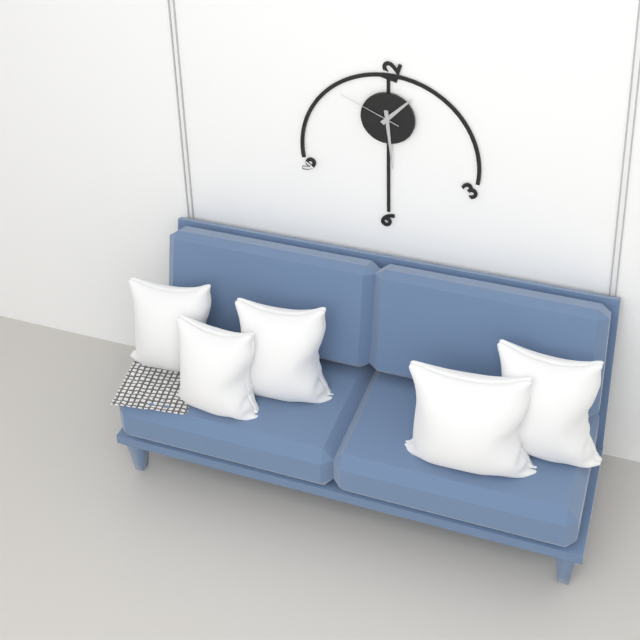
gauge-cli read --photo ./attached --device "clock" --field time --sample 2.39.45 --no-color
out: 1.29.49
